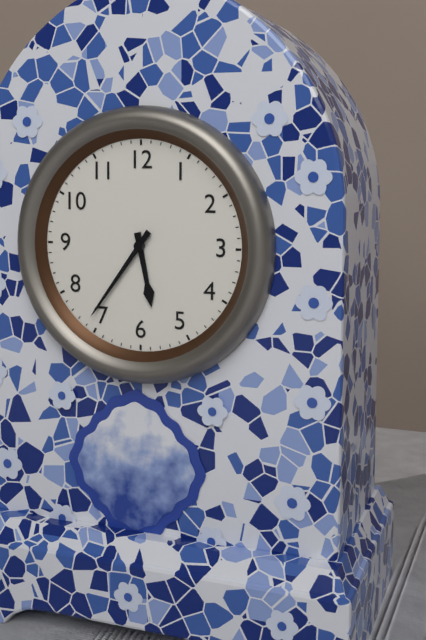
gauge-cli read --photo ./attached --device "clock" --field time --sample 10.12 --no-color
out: 5.36
